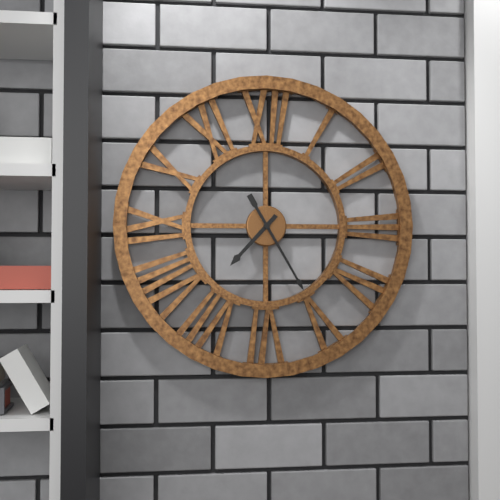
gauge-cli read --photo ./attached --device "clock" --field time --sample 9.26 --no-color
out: 7.25
